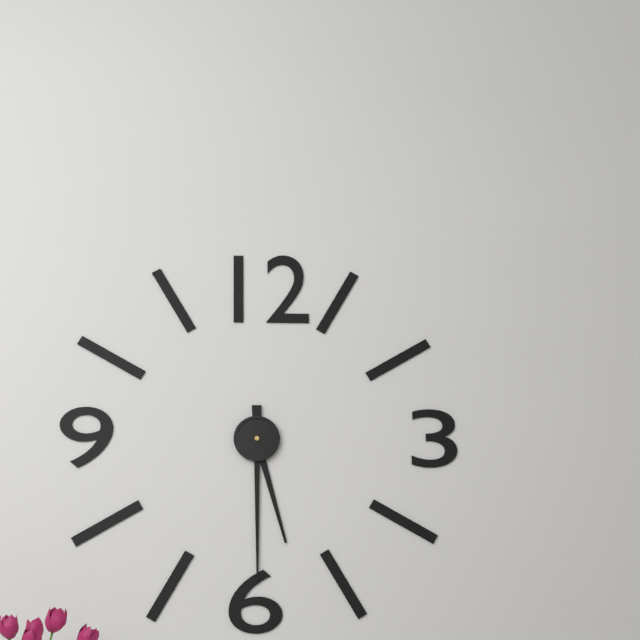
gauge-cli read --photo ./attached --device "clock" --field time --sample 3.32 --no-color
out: 5.30
